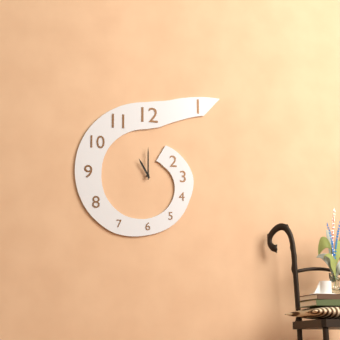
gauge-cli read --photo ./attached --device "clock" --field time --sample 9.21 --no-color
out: 11.00
